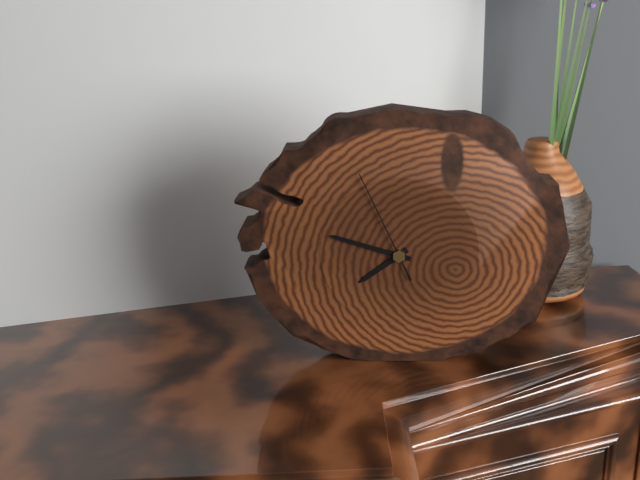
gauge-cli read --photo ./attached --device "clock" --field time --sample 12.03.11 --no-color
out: 7.48.56
